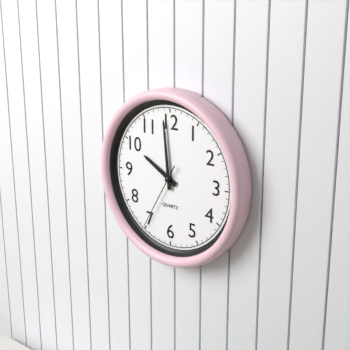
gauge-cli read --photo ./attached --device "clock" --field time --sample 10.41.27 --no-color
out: 9.59.35
